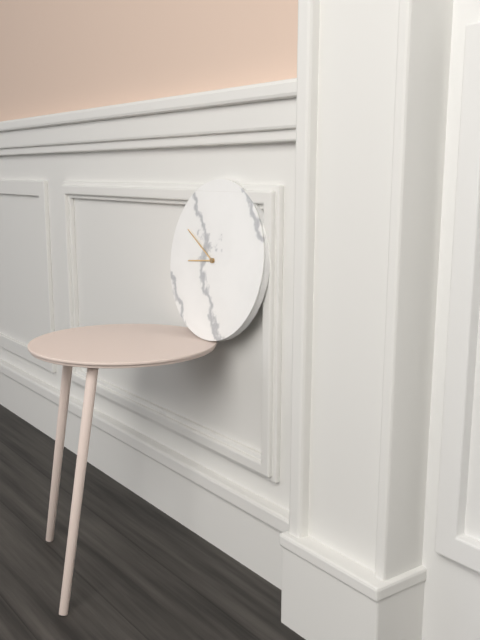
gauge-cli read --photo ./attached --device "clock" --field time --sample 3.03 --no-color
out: 8.50
